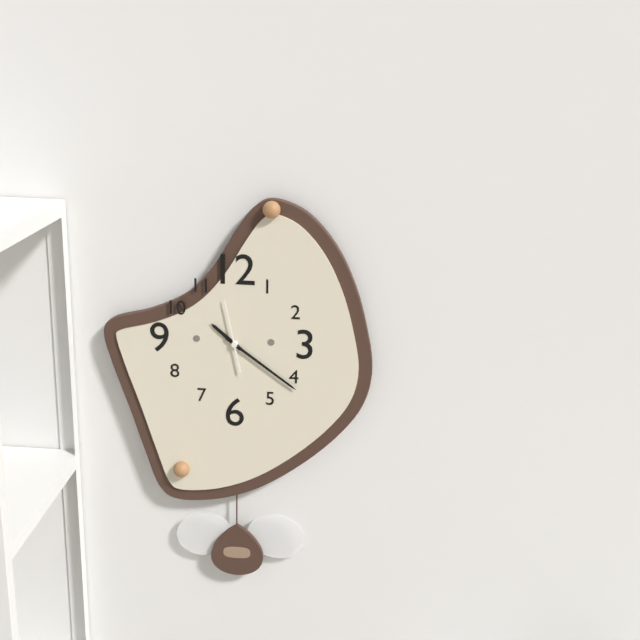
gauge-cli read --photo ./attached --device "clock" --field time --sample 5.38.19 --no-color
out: 10.21.58
